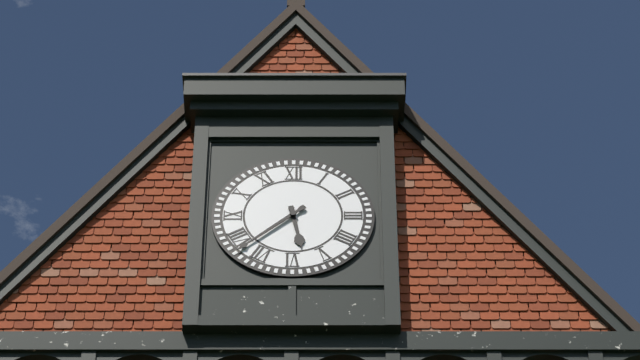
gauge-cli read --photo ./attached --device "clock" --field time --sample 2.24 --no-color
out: 5.38
